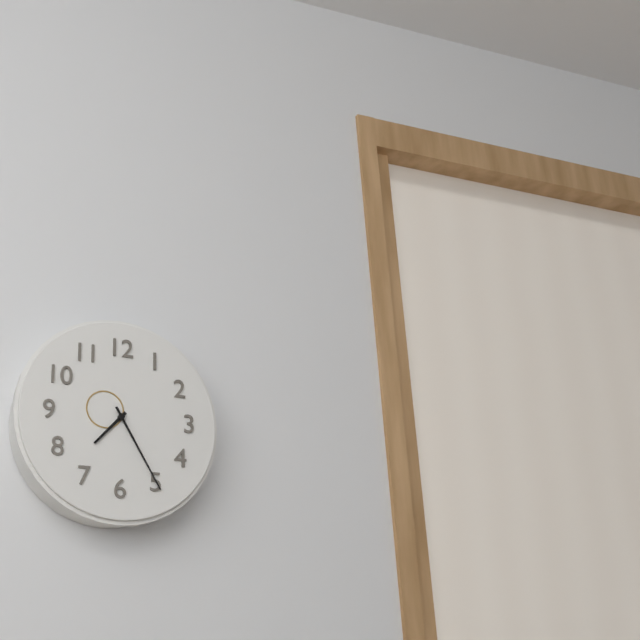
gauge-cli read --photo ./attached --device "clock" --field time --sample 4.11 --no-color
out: 7.25
